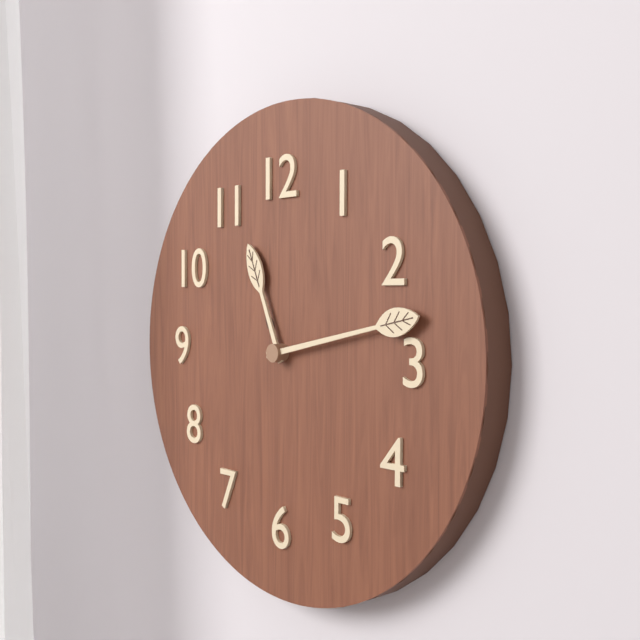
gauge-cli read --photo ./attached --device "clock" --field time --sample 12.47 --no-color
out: 11.13
